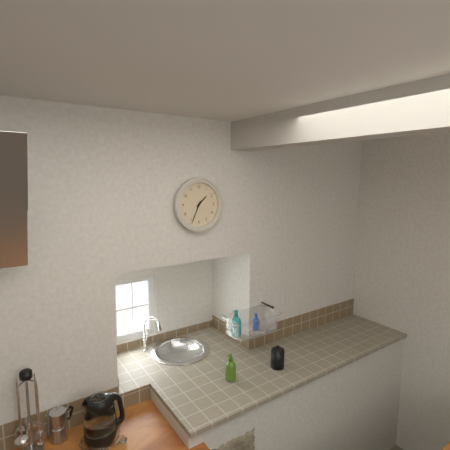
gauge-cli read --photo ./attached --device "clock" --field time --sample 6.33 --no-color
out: 1.34
